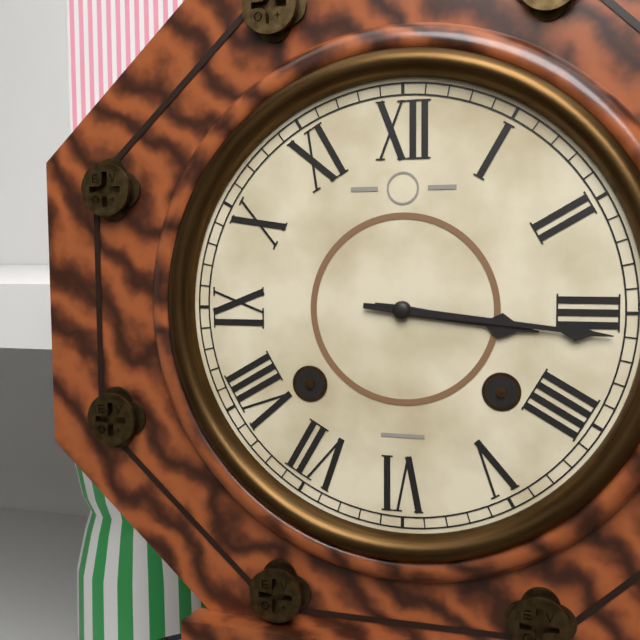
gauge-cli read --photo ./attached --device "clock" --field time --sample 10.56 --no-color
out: 3.16
